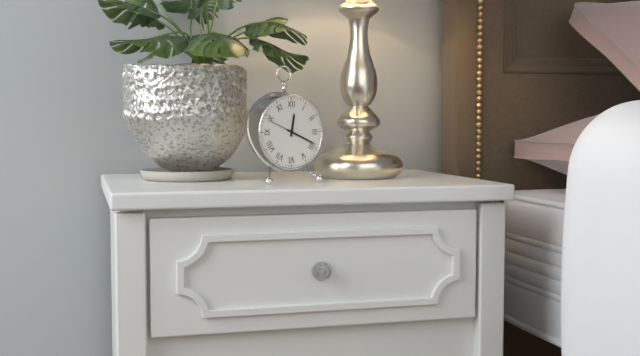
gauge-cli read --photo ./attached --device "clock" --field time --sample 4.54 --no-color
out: 12.19
